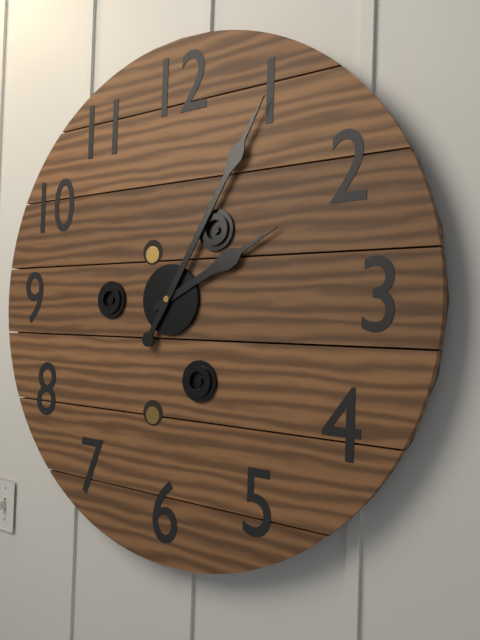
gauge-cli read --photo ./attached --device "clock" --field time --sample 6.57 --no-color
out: 2.05
